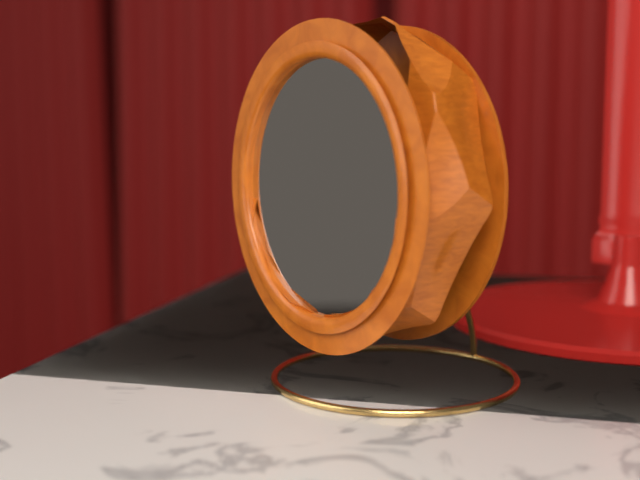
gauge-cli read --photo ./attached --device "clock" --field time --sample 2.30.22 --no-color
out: 3.25.16
